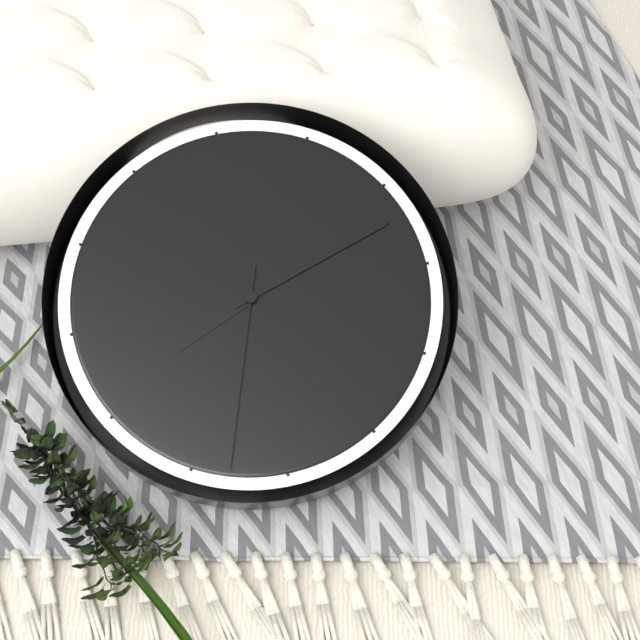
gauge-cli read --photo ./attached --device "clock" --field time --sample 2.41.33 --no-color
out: 8.12.33
